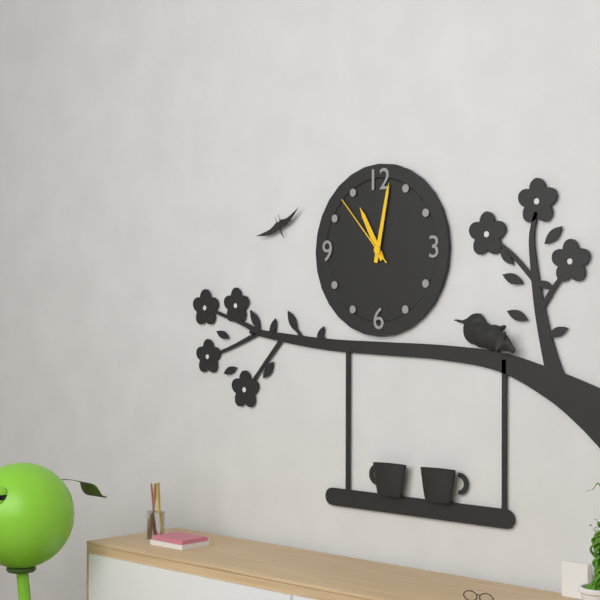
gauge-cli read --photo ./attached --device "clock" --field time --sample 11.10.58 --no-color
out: 11.02.53
